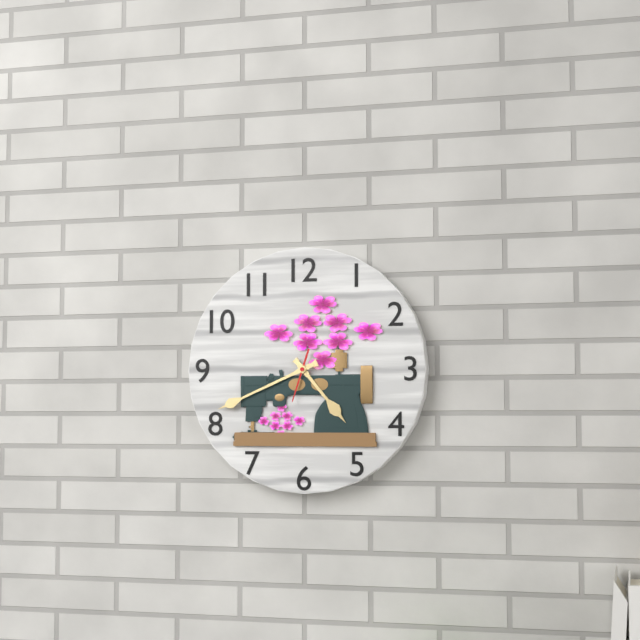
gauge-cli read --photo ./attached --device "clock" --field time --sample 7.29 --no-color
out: 4.41
